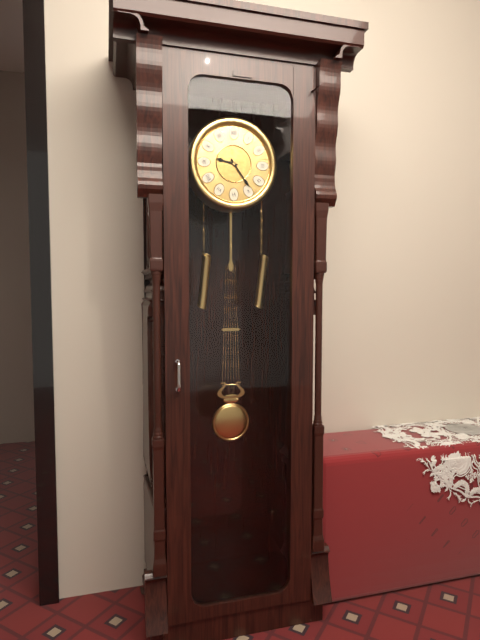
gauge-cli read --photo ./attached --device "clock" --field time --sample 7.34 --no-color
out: 9.24
